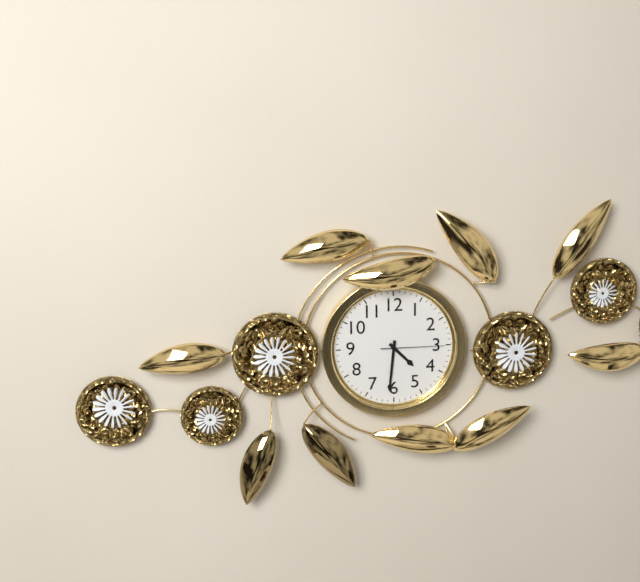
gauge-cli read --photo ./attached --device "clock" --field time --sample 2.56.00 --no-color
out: 4.31.15
